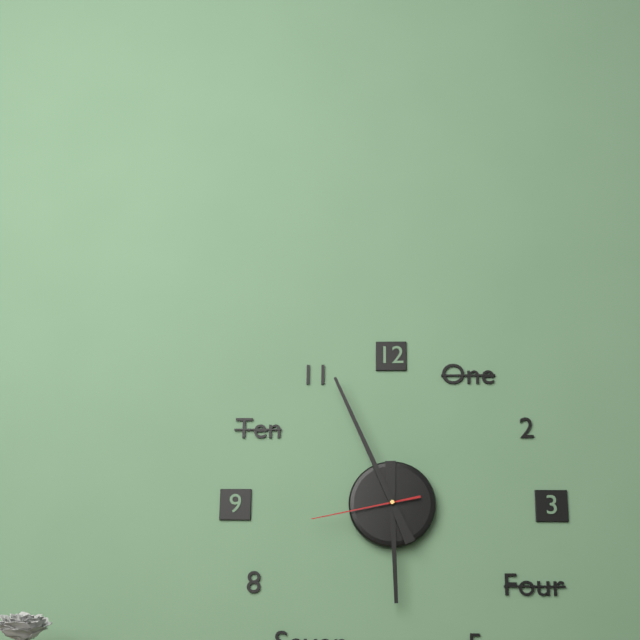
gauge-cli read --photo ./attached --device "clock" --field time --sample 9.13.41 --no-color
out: 5.56.43
